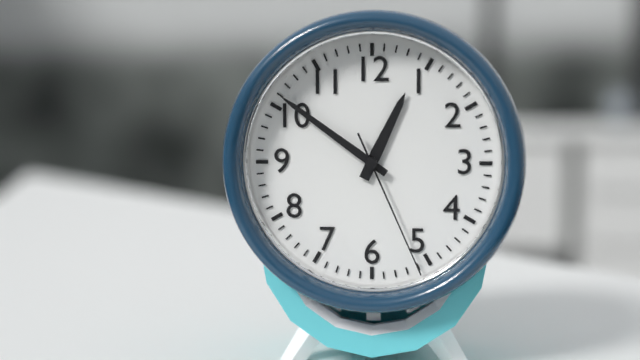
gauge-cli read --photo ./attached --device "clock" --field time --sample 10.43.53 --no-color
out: 12.51.26
